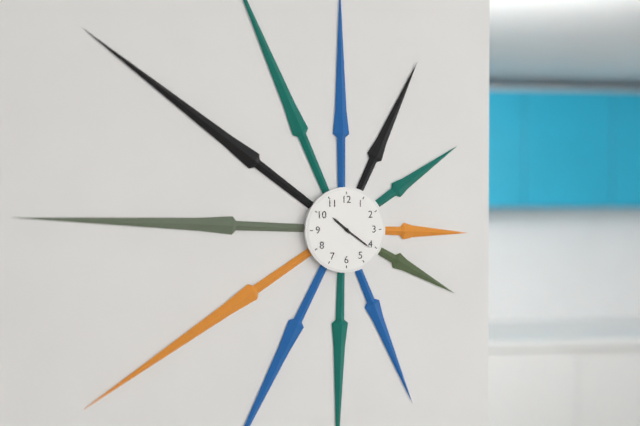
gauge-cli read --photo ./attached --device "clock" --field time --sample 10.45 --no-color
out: 10.21
